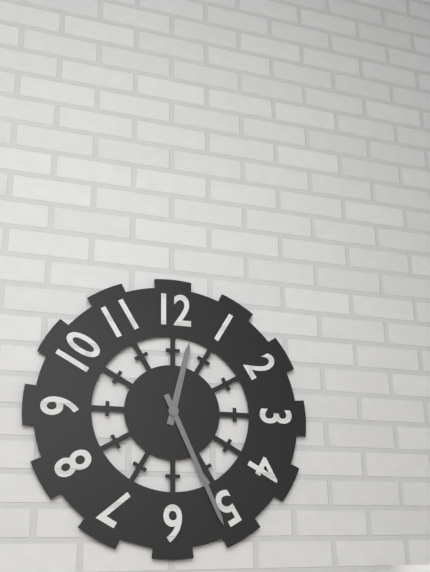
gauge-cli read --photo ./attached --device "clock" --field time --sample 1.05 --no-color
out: 12.26
